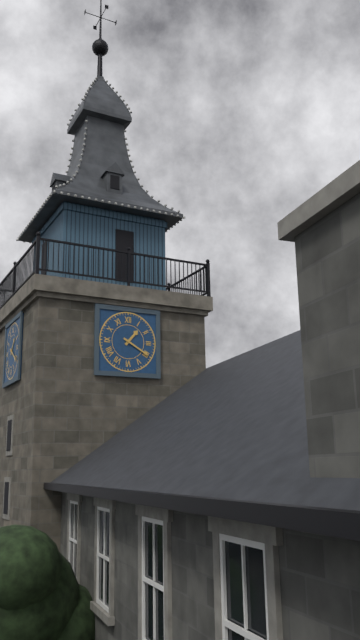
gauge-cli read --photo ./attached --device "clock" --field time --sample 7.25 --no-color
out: 1.20
